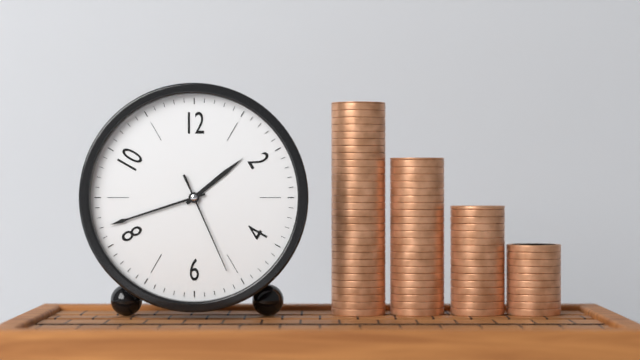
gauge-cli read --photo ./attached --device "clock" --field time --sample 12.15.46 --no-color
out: 1.42.26
